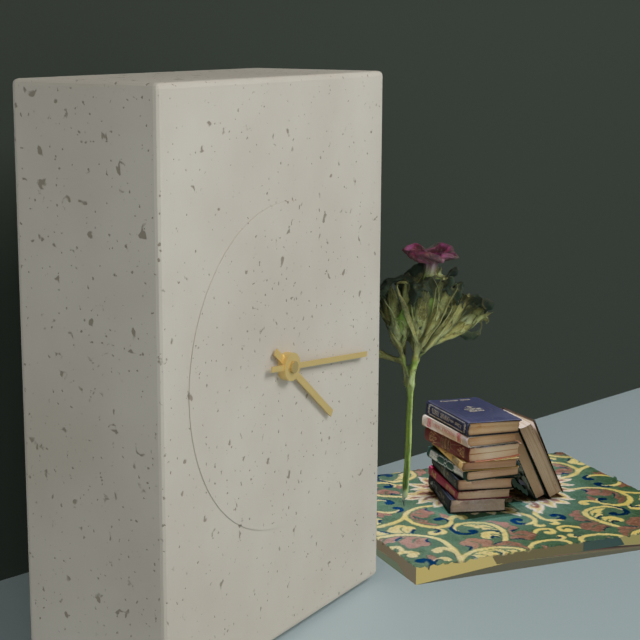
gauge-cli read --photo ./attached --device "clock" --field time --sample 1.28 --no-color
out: 4.16
